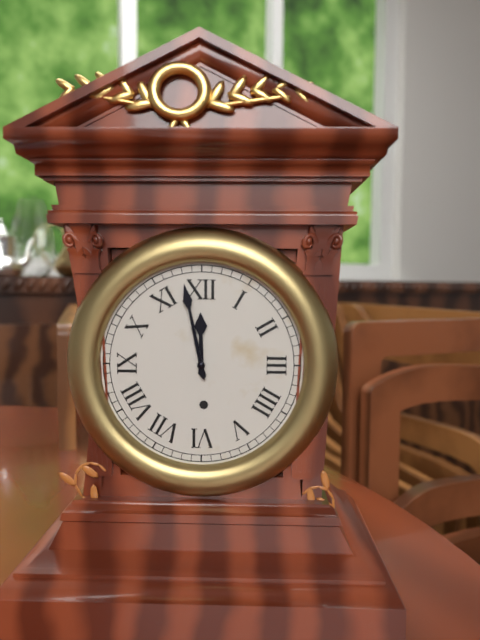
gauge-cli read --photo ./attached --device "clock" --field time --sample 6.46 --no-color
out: 11.58
